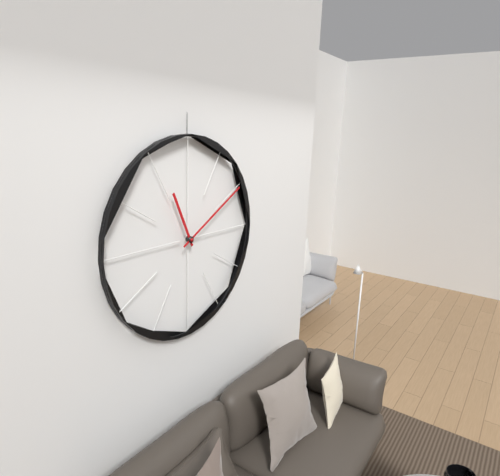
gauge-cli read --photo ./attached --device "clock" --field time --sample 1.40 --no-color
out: 11.10
